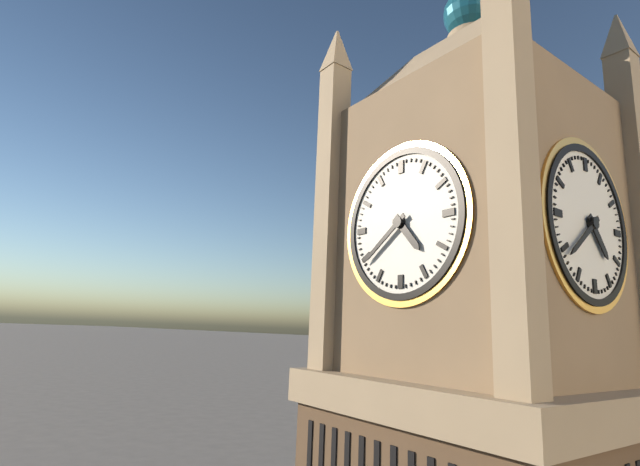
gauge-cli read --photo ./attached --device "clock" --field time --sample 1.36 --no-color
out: 4.39
